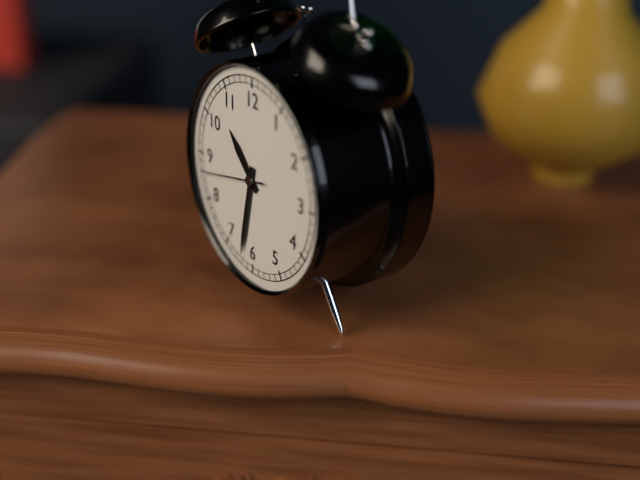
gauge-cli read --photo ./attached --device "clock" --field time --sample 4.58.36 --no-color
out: 10.32.43
